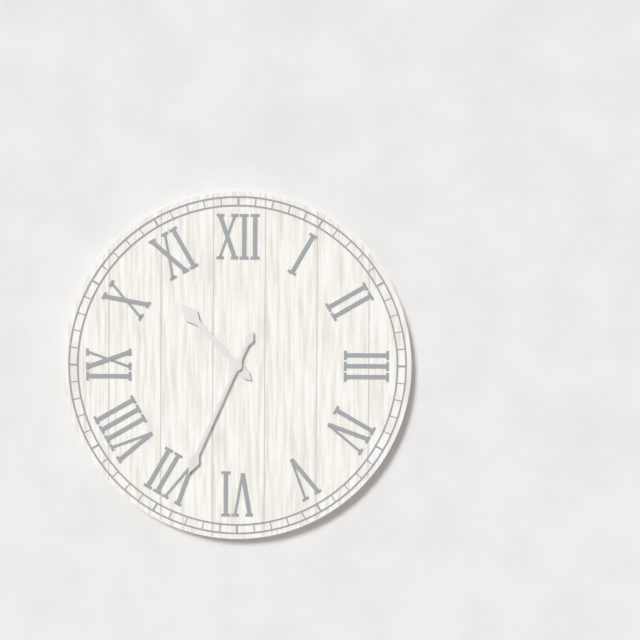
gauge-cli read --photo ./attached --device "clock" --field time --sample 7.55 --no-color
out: 10.34
